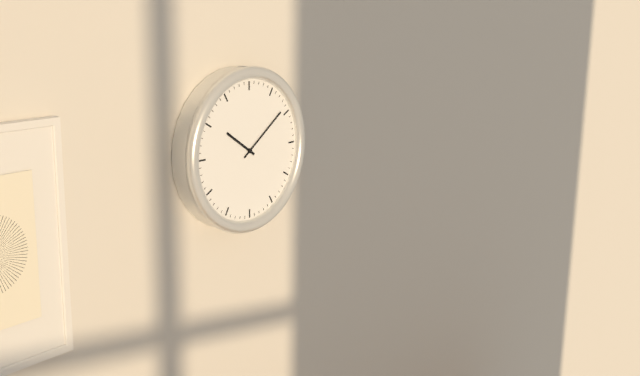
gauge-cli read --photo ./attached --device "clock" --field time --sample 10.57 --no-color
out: 10.09
